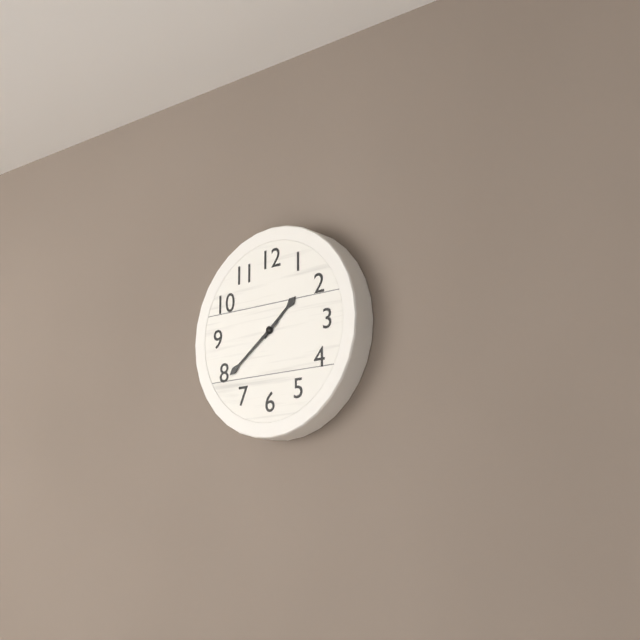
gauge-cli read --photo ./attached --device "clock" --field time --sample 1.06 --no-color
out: 1.39
